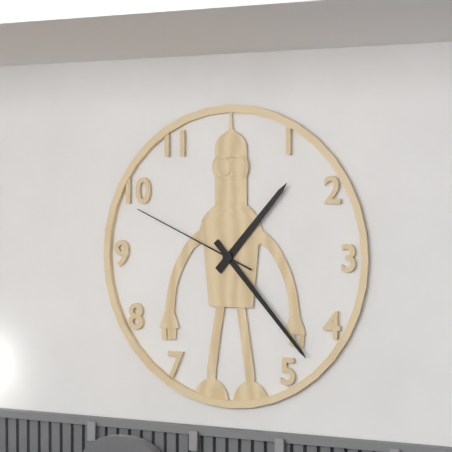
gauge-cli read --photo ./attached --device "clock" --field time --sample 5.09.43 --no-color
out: 1.23.49
